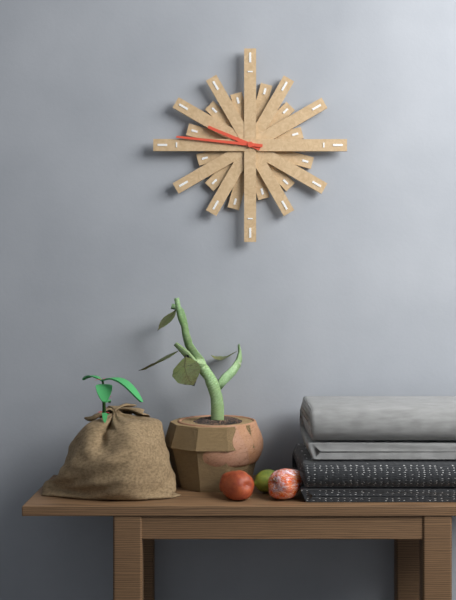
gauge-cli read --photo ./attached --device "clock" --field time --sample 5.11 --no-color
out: 9.46
